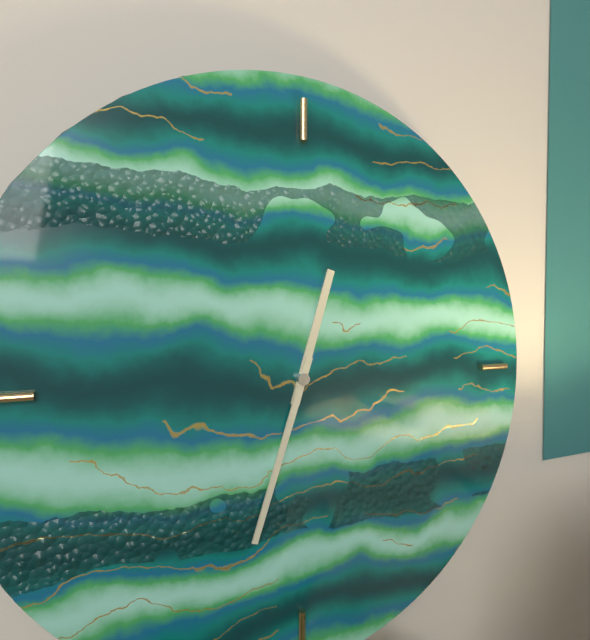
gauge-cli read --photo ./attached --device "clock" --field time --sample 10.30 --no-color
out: 12.33
